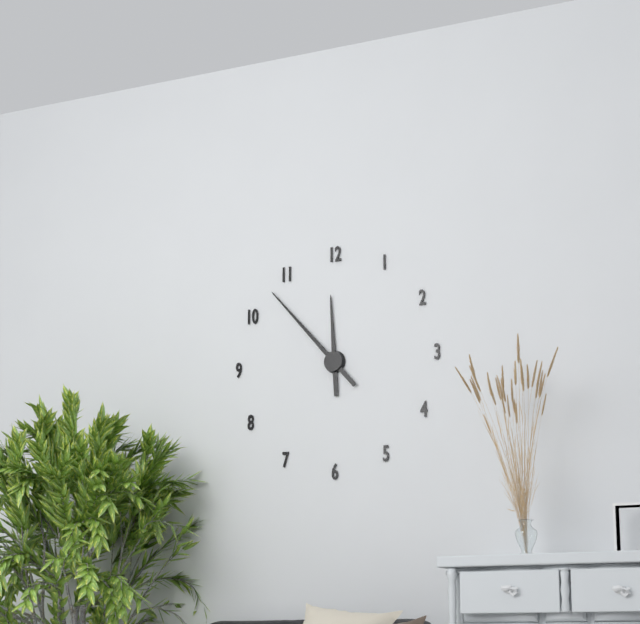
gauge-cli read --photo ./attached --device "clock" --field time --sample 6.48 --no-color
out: 11.53
